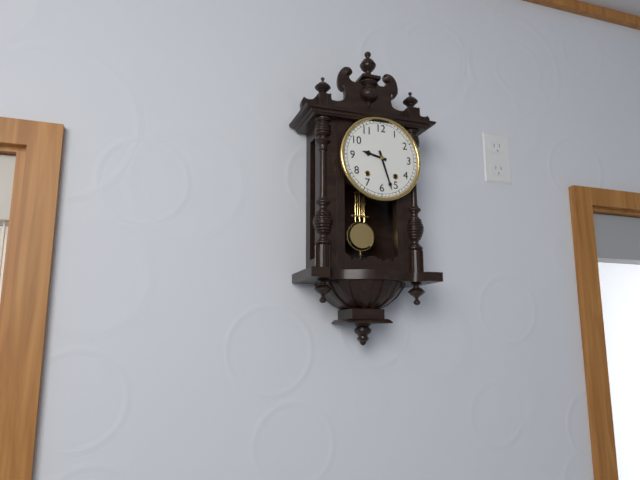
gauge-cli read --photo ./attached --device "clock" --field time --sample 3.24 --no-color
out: 9.27
